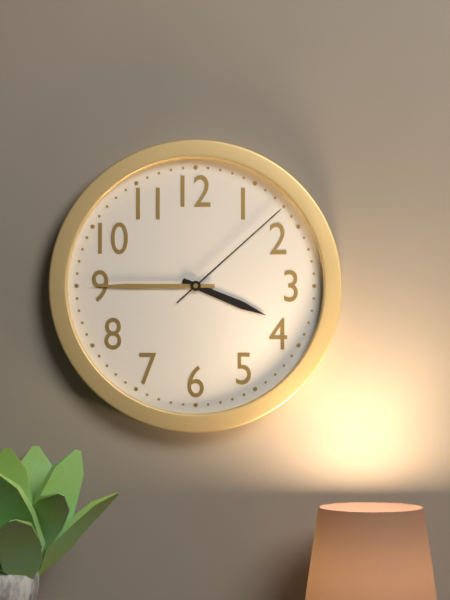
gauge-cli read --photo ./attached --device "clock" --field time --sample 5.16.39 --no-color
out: 3.45.08
